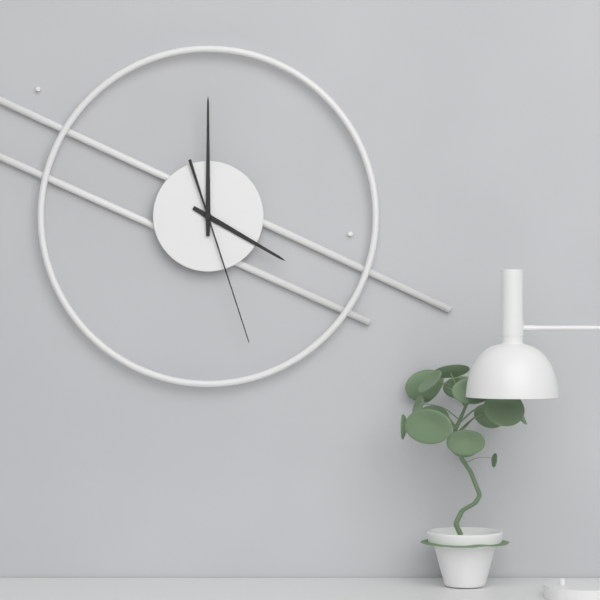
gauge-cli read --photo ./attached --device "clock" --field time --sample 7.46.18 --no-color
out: 4.00.27
